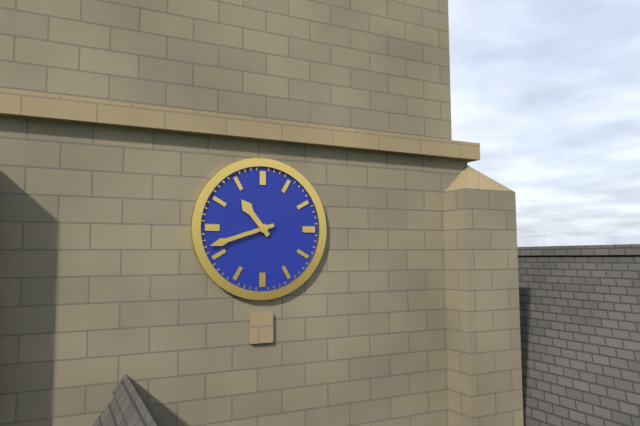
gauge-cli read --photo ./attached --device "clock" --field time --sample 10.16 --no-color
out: 10.42
